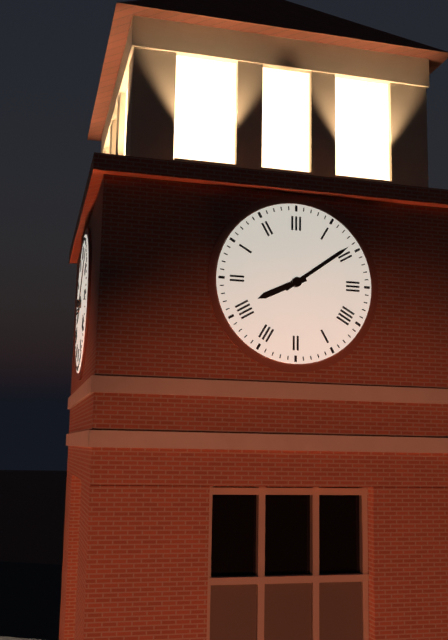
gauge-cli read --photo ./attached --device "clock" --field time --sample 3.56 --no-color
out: 8.09
